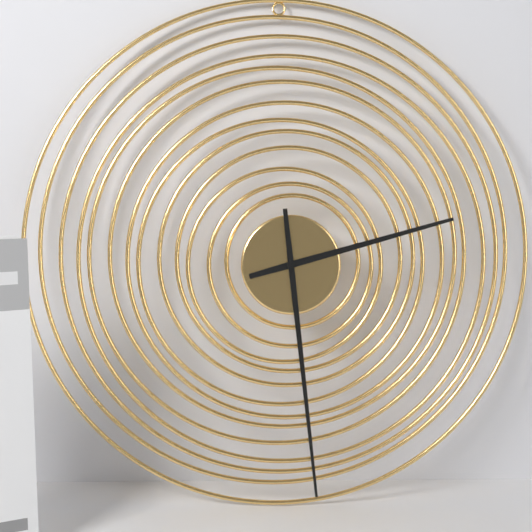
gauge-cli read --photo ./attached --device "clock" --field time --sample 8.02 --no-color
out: 2.29
